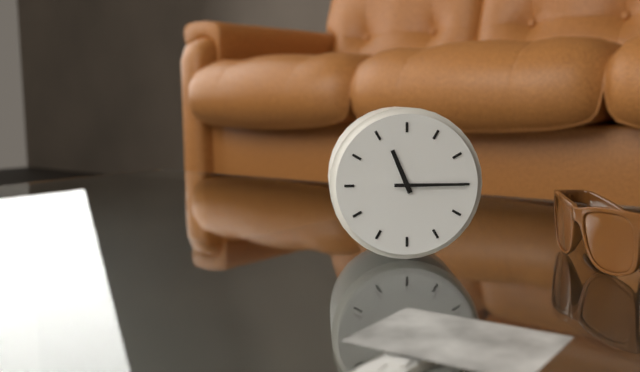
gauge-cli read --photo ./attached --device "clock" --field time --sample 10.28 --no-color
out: 11.15
